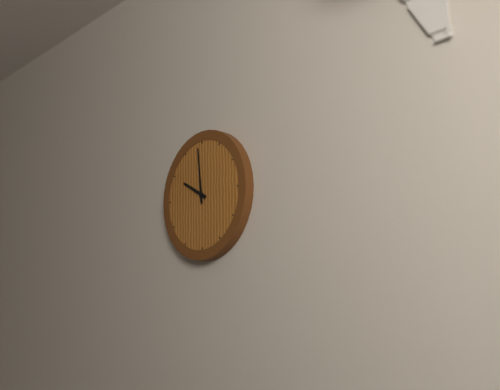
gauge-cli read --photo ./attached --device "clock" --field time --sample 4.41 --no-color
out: 9.59
